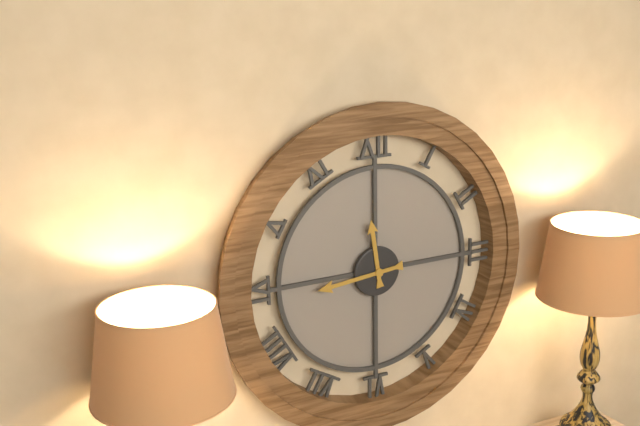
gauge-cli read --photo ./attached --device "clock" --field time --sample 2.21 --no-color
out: 11.44
